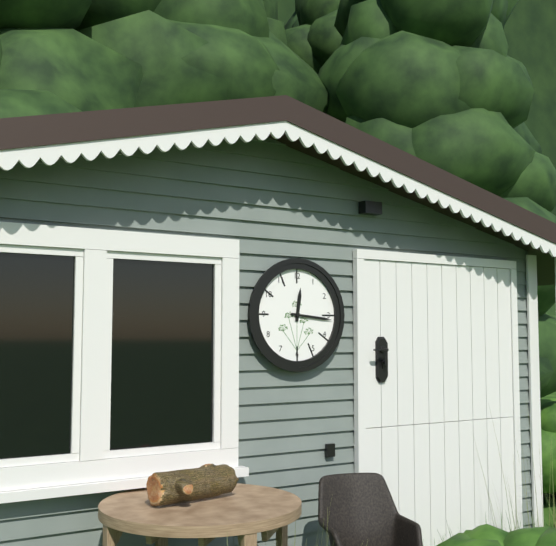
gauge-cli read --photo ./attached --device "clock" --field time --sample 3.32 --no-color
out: 12.16
